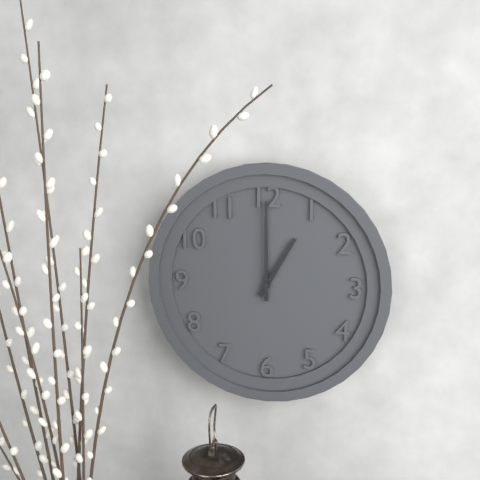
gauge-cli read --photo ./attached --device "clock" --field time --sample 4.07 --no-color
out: 1.00
